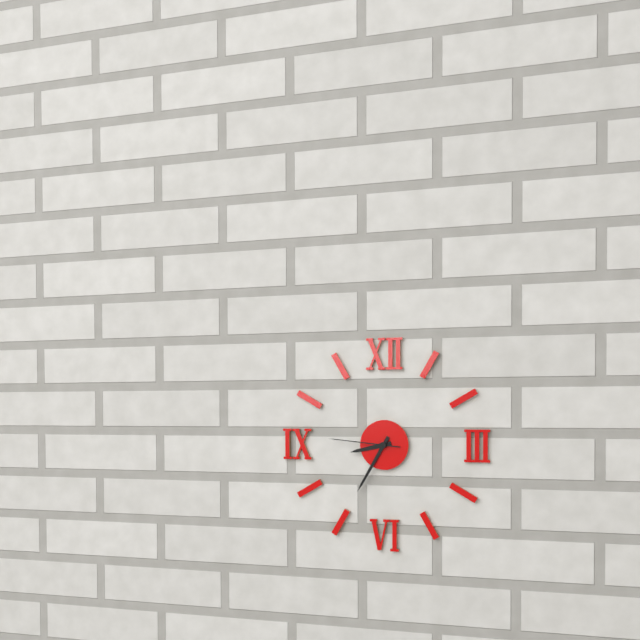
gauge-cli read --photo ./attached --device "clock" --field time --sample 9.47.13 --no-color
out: 8.35.46
